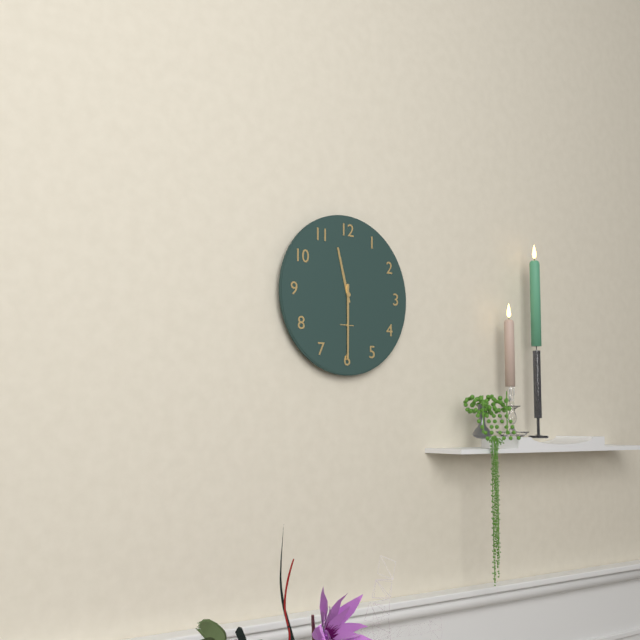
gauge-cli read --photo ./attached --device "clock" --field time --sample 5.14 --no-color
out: 11.30
